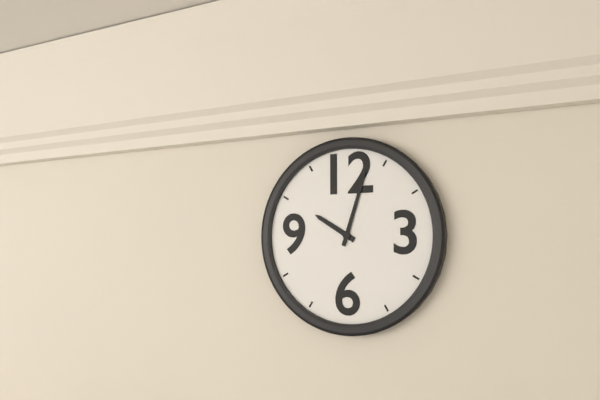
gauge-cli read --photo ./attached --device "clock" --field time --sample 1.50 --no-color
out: 10.03
